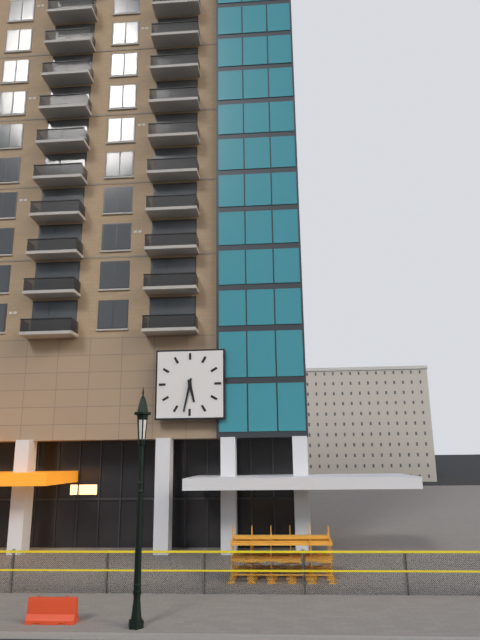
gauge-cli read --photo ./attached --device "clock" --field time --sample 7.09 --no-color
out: 5.32
